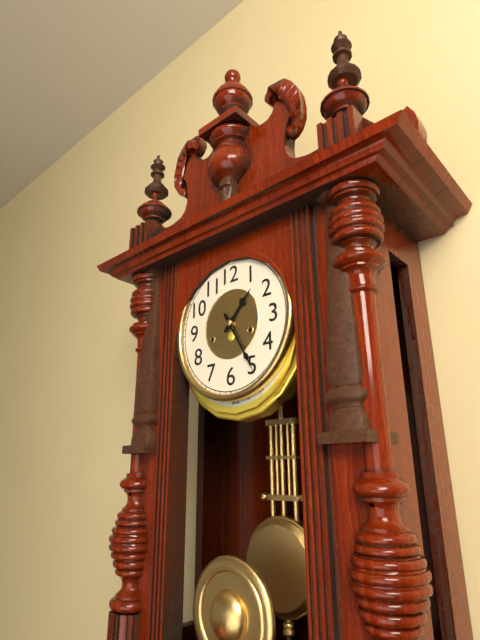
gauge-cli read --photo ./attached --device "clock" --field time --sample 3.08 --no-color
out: 1.25
